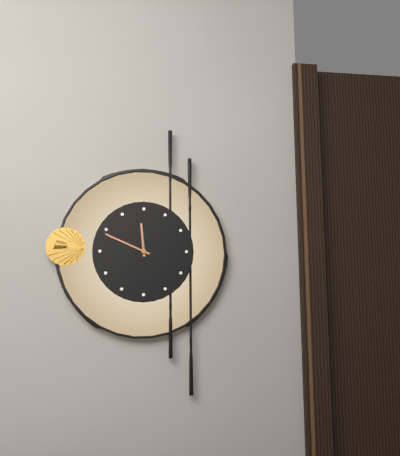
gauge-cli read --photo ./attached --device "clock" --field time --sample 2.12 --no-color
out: 11.49
